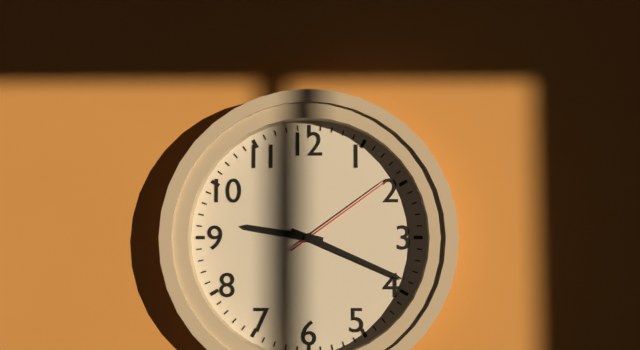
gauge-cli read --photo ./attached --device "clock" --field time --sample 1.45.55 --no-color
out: 9.19.09
